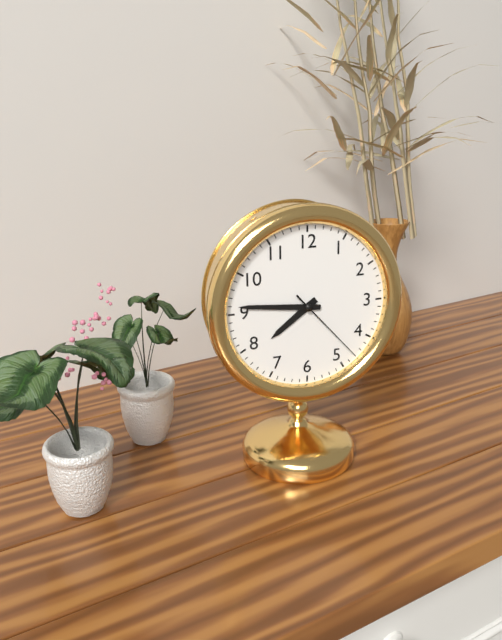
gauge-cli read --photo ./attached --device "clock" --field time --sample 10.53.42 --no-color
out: 7.46.23
